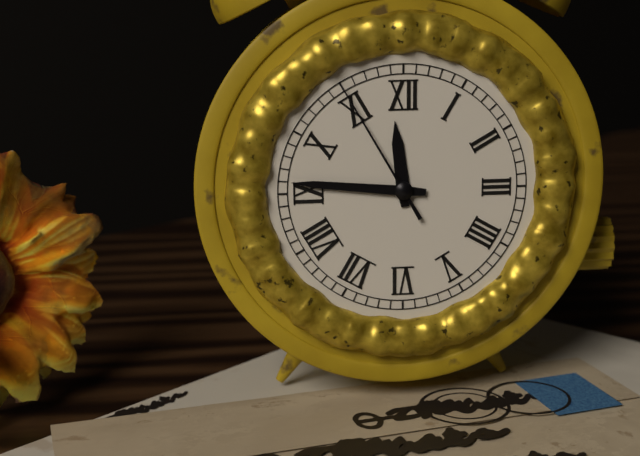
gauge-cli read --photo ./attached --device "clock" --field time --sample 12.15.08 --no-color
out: 11.46.55
